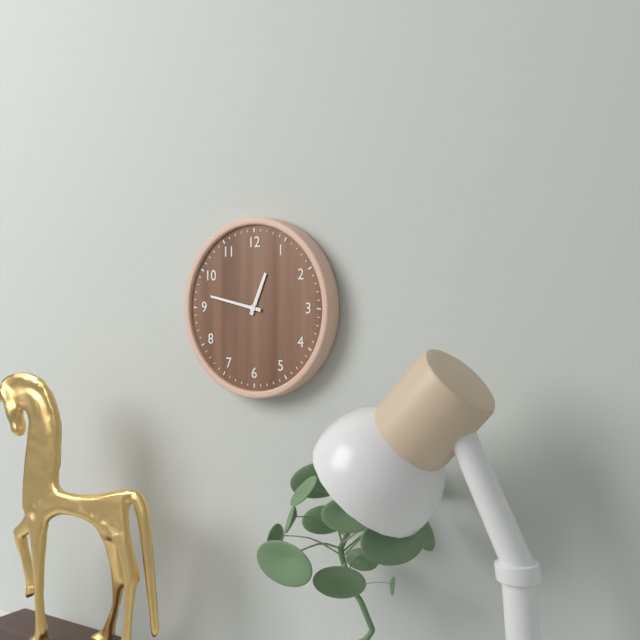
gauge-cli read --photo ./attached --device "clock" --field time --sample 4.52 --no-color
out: 12.47
